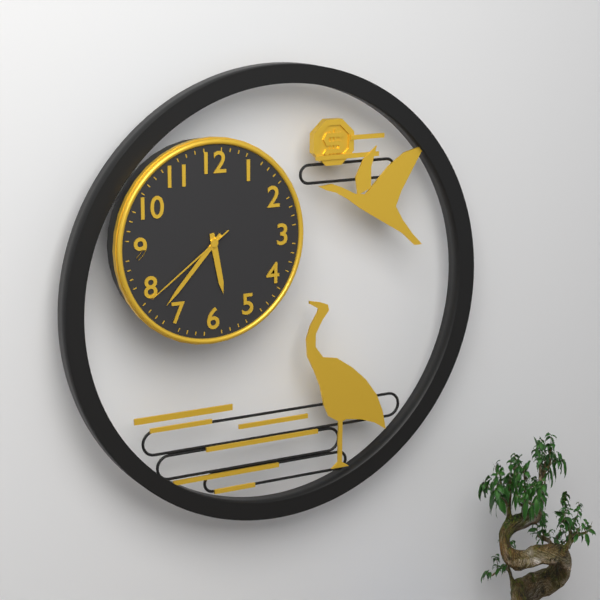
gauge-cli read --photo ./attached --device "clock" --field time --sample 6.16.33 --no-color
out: 5.37.39
